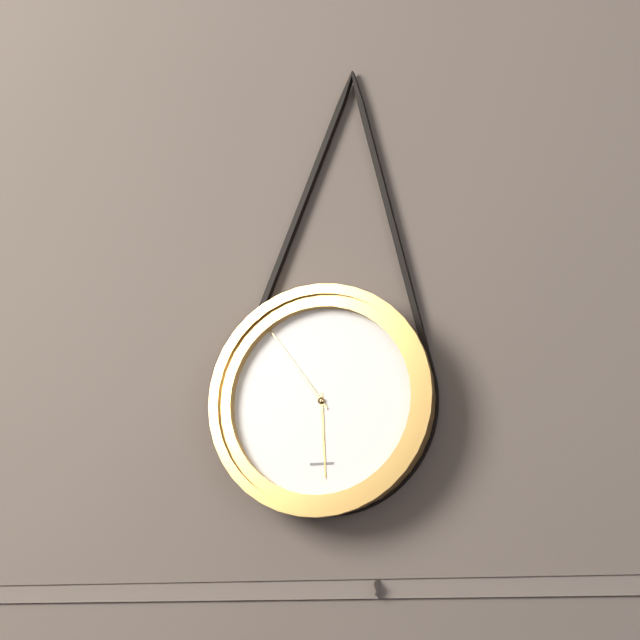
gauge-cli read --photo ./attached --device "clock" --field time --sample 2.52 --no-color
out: 5.54
